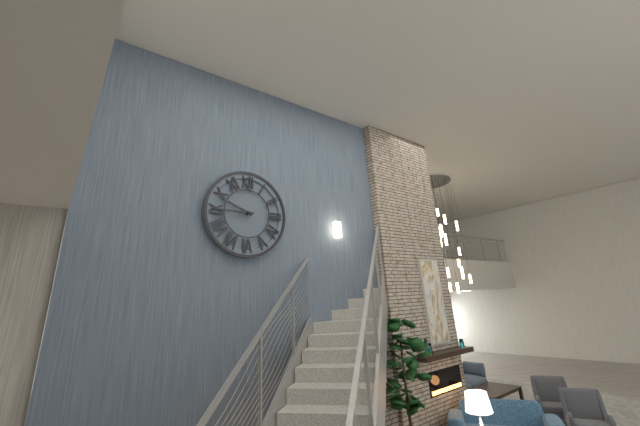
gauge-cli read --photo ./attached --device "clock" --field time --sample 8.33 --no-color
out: 9.45
